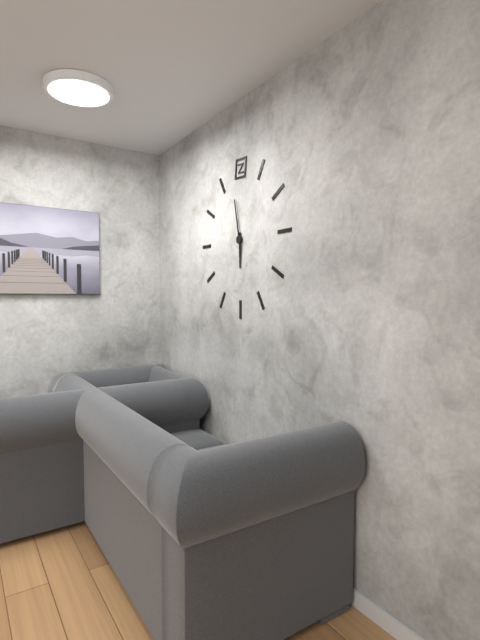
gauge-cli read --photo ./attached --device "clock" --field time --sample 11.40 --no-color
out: 5.58
